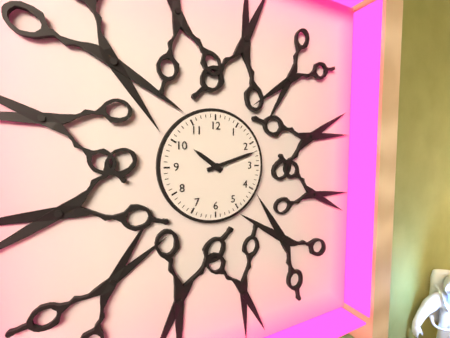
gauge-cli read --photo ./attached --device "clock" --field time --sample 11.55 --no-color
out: 10.12
